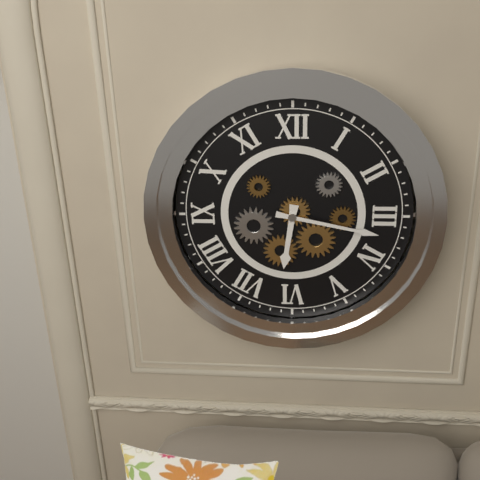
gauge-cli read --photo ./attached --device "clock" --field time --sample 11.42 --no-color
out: 6.17
